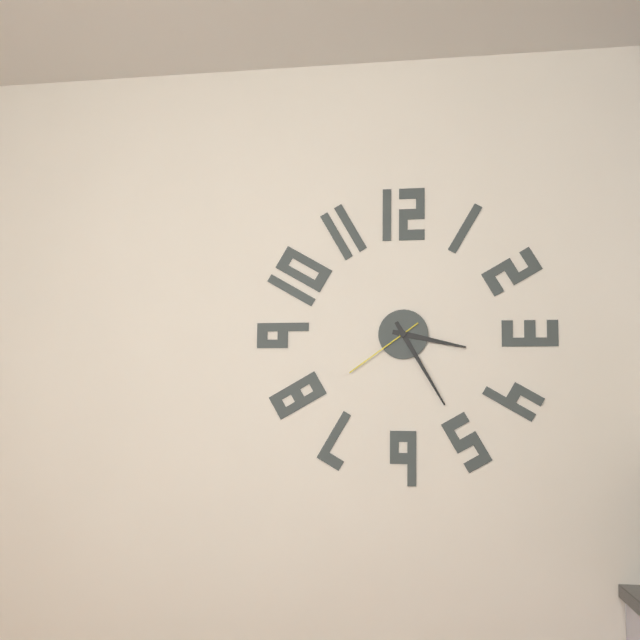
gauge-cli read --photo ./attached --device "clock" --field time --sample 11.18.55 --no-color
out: 3.25.39
